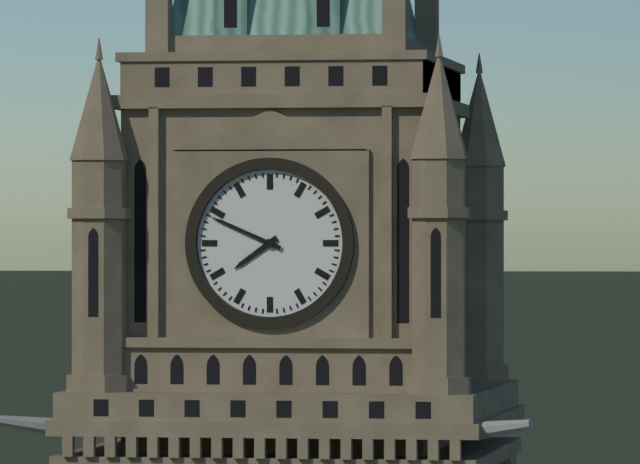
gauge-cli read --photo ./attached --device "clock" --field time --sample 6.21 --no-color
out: 7.49
